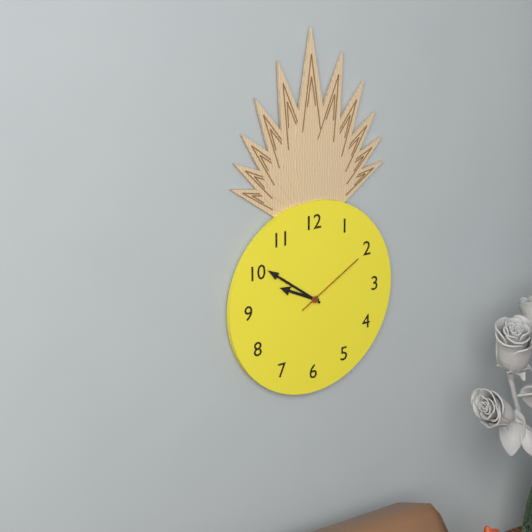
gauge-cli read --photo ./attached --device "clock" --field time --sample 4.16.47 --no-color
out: 9.51.10
